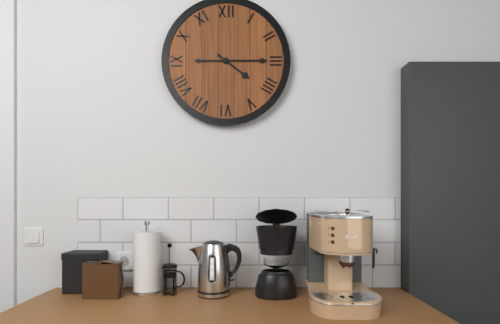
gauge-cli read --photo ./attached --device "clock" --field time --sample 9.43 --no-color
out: 4.15
